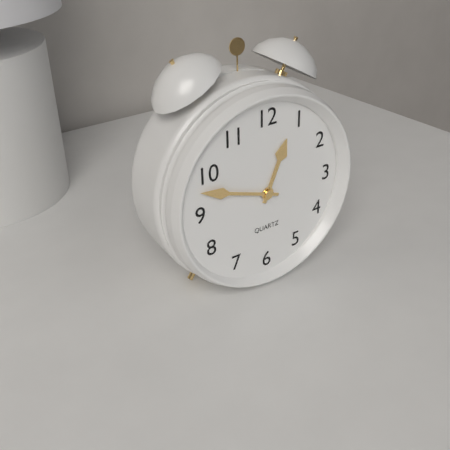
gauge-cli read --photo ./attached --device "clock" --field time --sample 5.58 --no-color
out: 12.48
